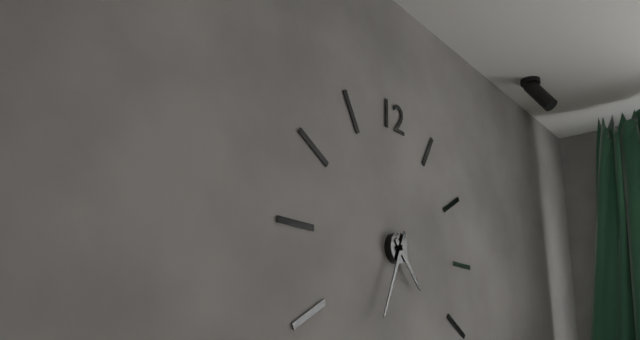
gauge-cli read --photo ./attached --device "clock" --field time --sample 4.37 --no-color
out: 4.34
